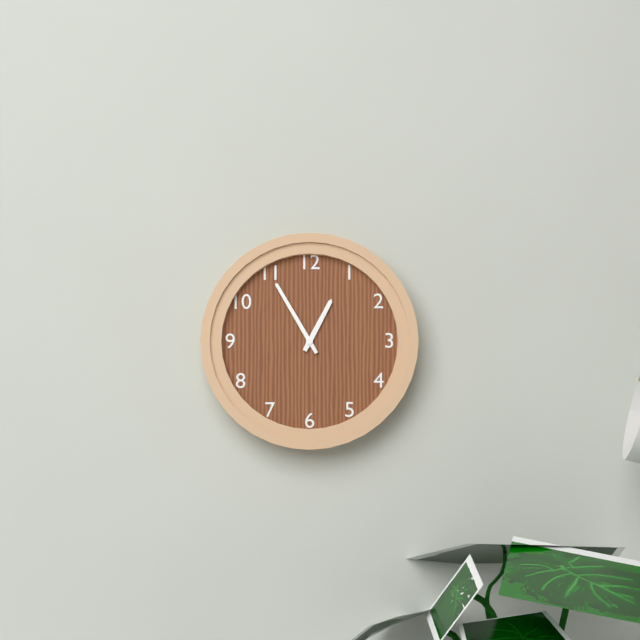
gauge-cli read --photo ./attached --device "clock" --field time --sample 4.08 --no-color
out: 12.55
